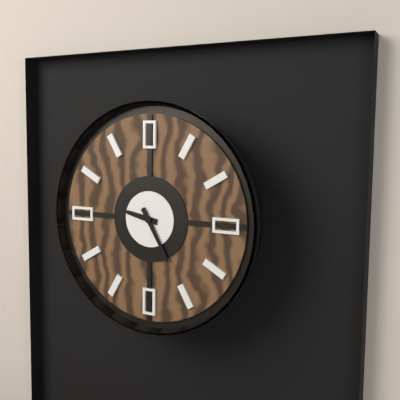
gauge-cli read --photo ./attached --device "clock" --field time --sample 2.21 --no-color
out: 9.25
